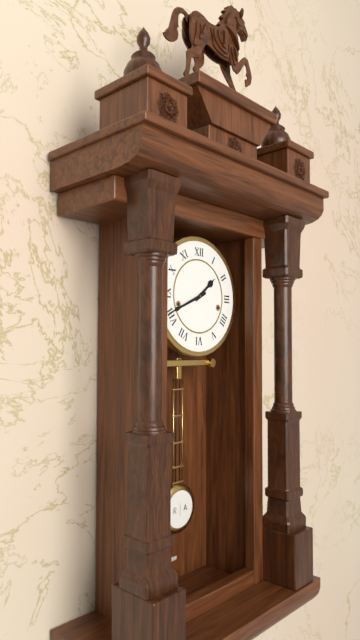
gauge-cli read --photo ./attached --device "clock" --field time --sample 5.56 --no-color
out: 1.41
